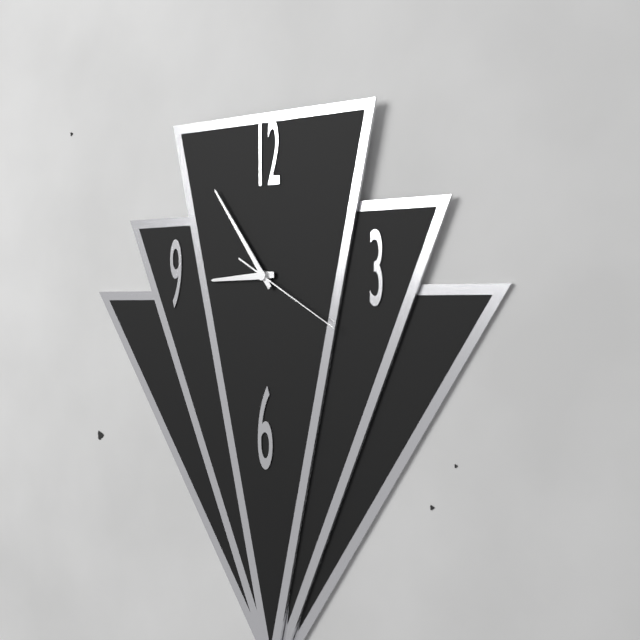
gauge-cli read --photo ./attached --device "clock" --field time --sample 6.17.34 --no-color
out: 8.54.20
